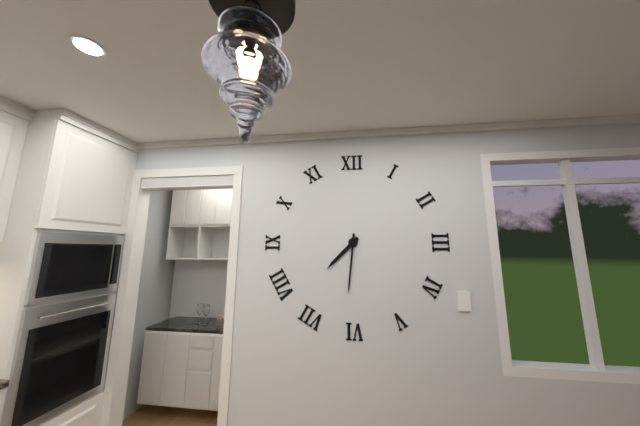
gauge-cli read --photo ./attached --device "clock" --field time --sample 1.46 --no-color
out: 7.31
